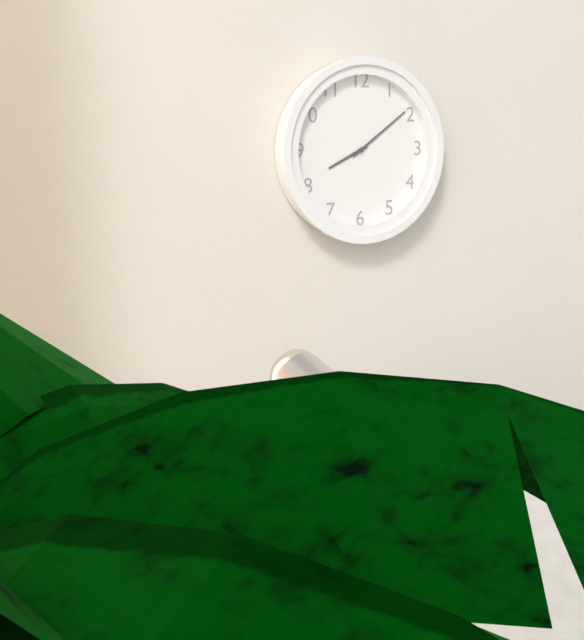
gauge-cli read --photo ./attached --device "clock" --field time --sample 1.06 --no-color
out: 8.09
